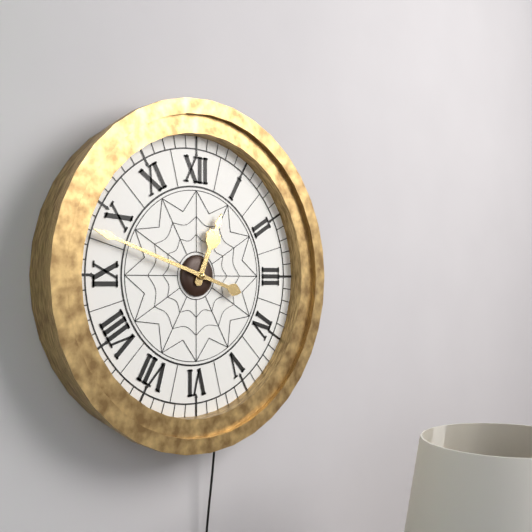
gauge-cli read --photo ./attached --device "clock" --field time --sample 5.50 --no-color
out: 12.48
